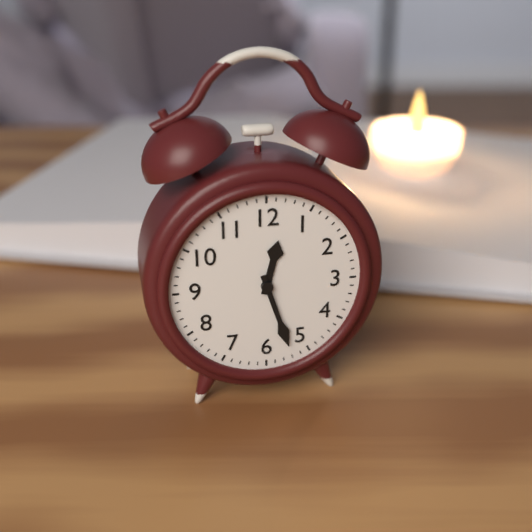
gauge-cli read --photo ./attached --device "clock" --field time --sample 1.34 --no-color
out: 12.27
